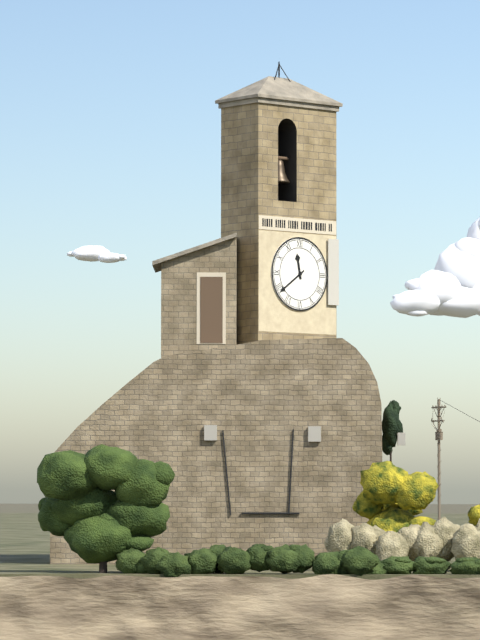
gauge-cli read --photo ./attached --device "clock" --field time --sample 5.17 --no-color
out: 11.39
